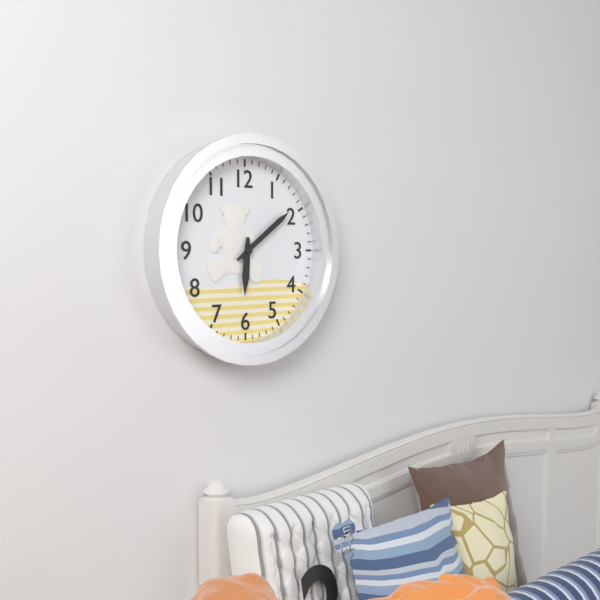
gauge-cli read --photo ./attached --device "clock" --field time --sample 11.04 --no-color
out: 6.09
